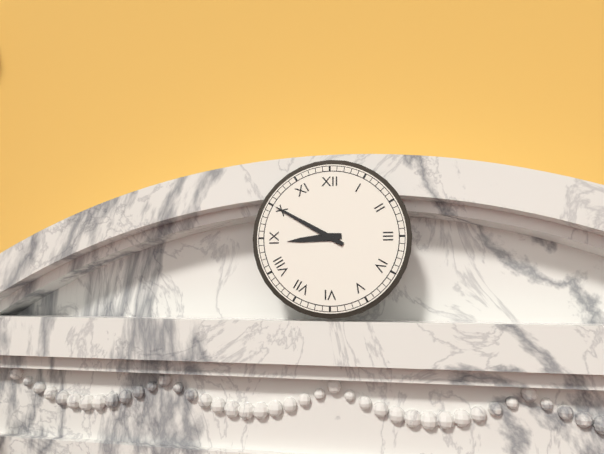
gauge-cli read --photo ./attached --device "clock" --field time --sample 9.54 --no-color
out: 8.50
